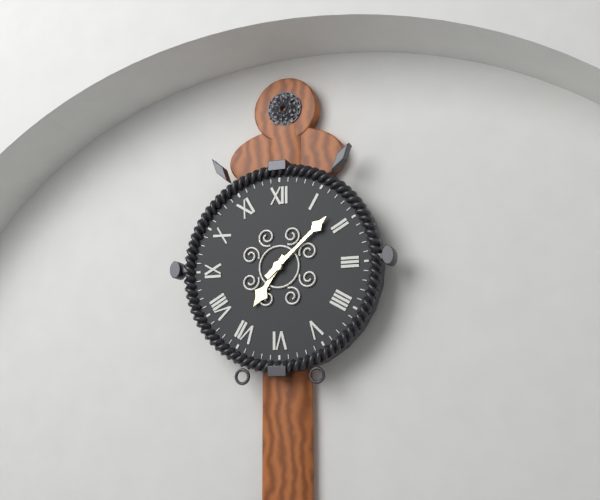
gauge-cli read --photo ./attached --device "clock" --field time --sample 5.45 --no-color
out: 7.08
